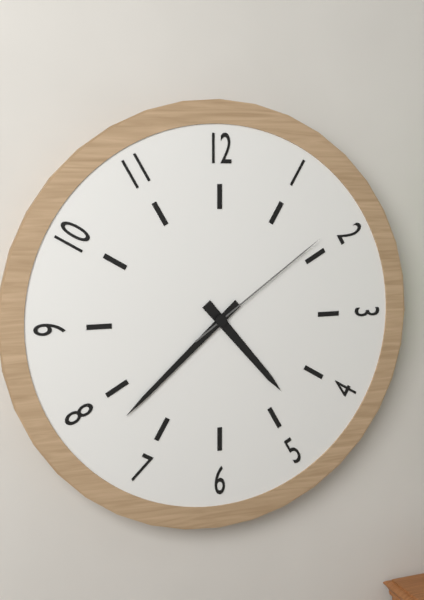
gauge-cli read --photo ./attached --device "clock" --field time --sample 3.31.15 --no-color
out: 4.38.09
